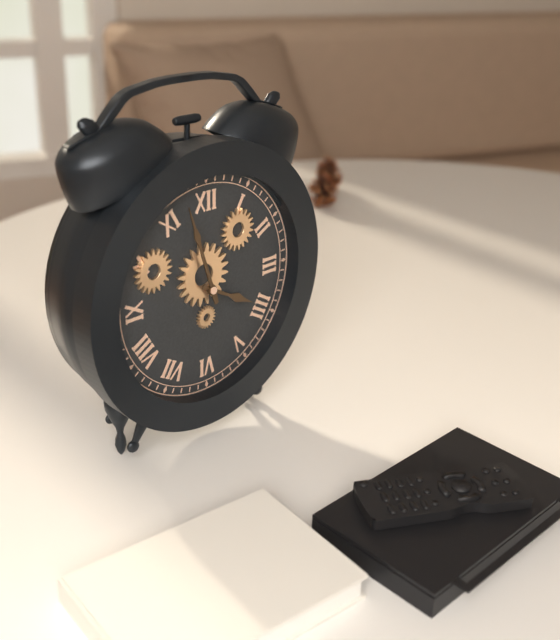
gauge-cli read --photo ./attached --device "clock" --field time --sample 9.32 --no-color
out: 3.57
